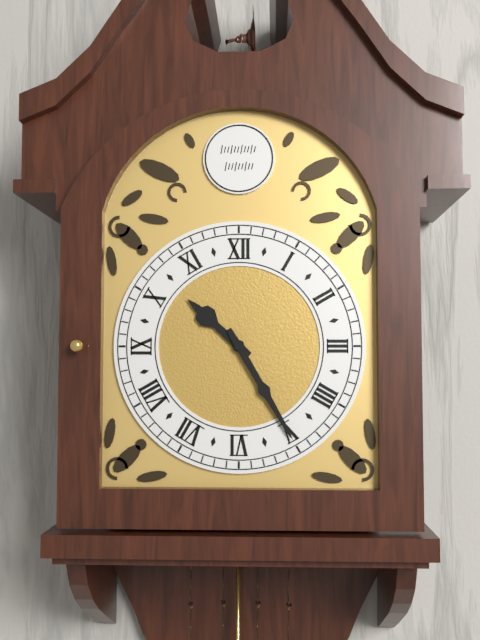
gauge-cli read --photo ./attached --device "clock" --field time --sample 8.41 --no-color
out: 10.25
